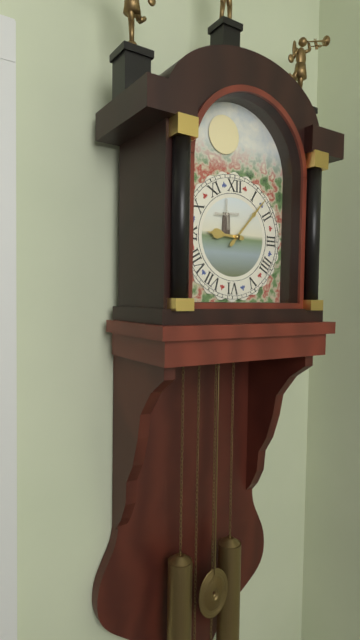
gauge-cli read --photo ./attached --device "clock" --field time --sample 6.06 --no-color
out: 9.07
